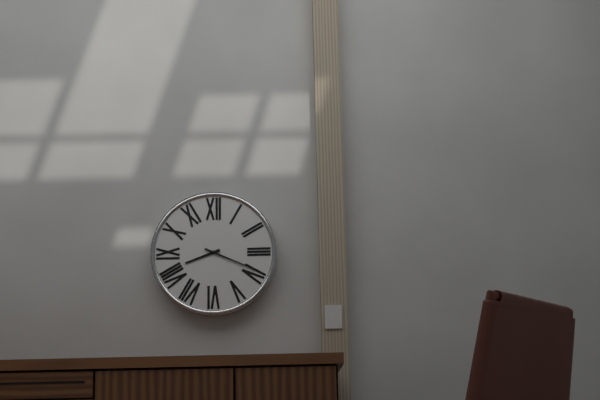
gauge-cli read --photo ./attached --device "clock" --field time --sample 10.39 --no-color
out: 8.19
